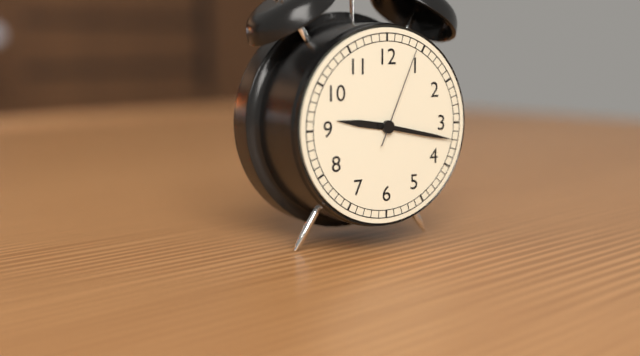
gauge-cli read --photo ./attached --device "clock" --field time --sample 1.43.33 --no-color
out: 9.17.04
